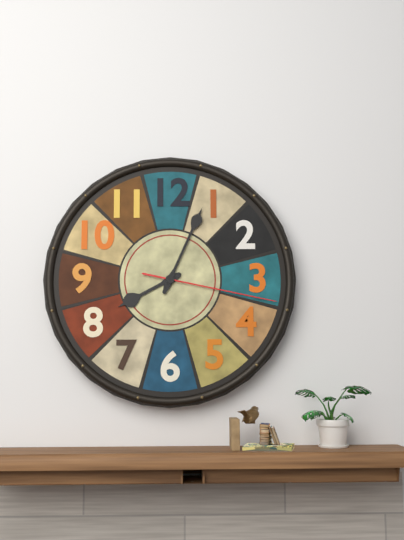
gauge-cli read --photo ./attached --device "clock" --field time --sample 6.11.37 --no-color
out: 8.04.17
